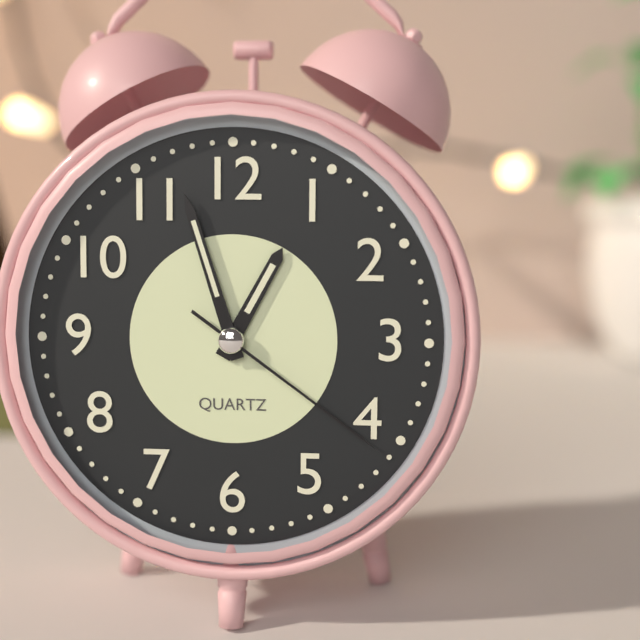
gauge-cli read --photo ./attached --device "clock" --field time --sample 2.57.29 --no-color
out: 12.57.21
